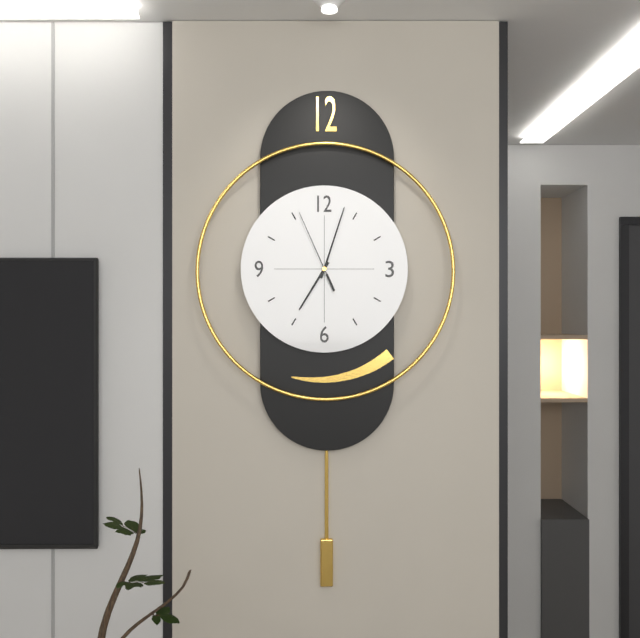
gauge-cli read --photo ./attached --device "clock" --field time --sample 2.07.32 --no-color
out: 7.03.56
